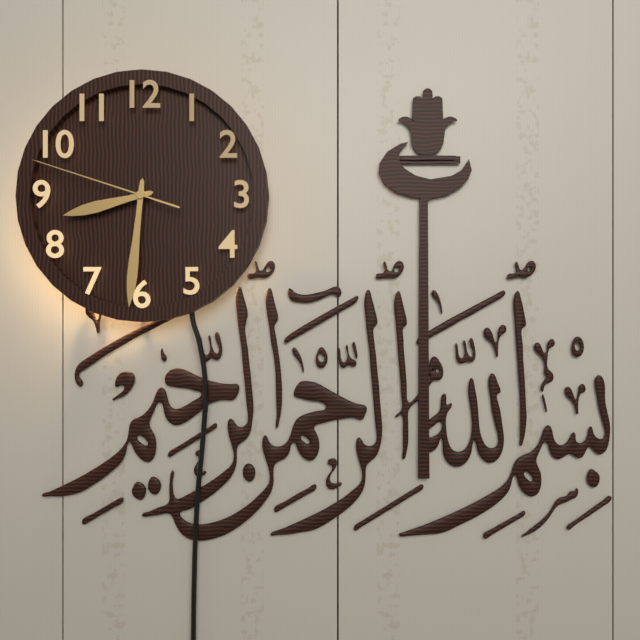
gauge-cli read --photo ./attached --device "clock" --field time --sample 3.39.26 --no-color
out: 8.31.48
